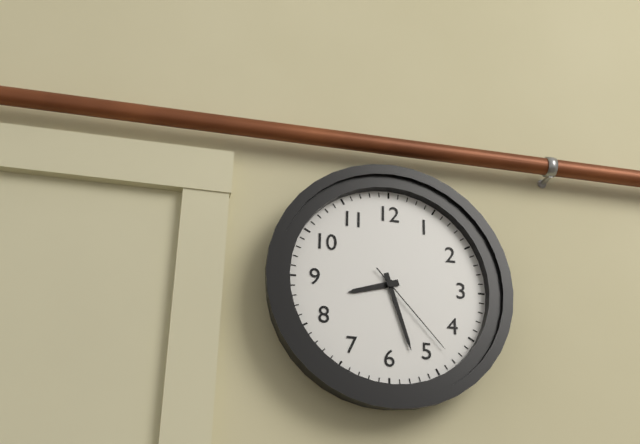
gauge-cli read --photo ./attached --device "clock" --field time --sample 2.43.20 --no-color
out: 8.27.23
